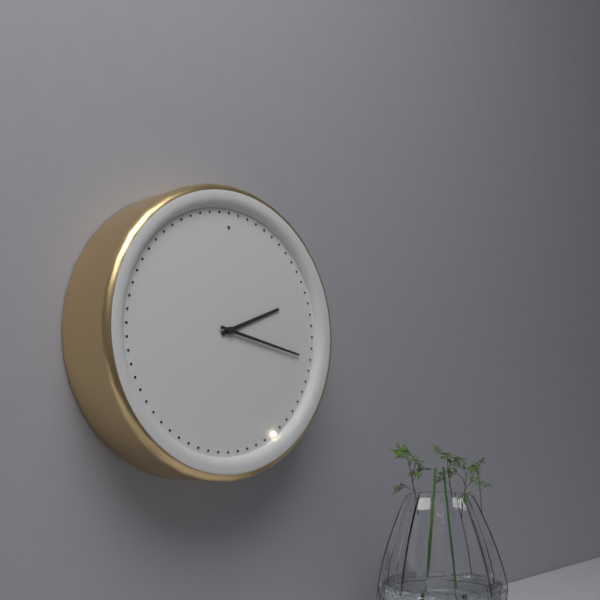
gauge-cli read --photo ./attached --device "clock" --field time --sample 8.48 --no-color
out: 2.17
